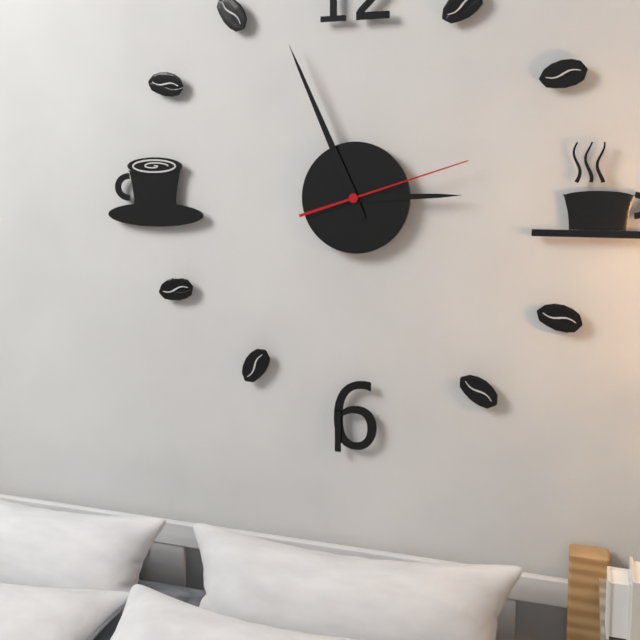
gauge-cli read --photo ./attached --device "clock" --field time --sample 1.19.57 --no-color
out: 2.56.12
